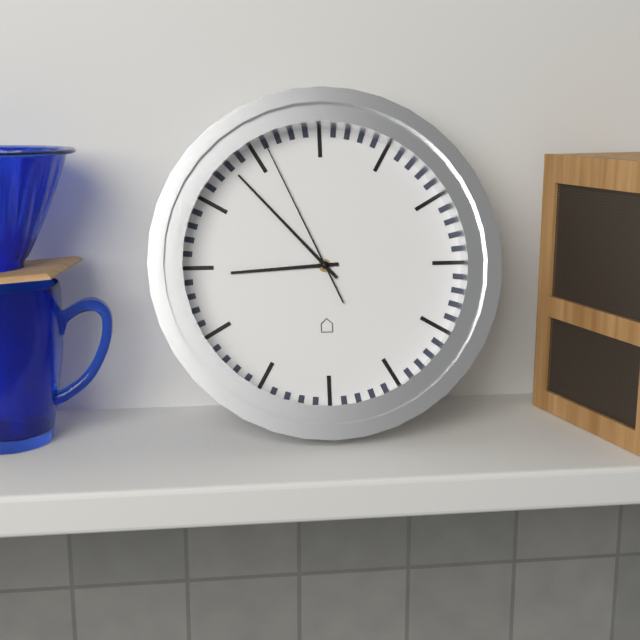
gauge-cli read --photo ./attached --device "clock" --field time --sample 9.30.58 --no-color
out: 8.53.56
